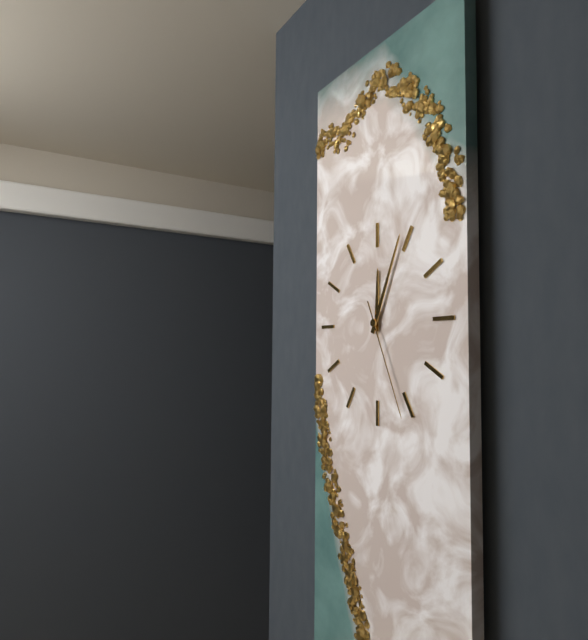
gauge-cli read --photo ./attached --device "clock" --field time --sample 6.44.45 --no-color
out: 12.04.26
